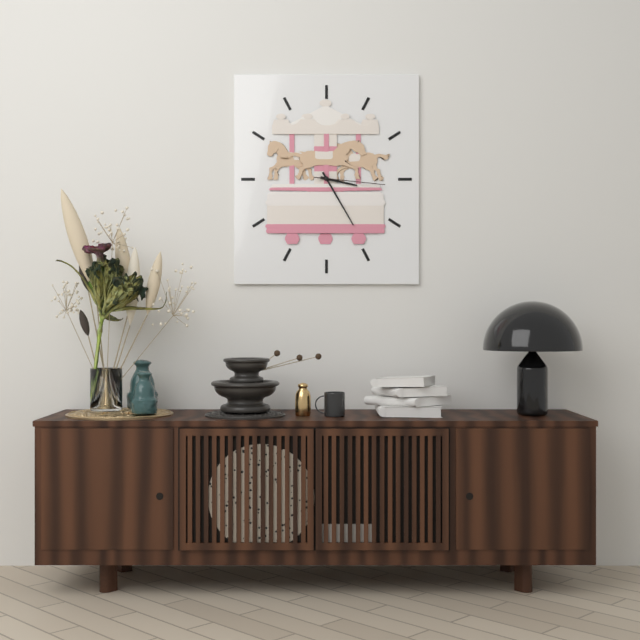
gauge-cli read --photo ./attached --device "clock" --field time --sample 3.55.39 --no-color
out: 3.25.16
